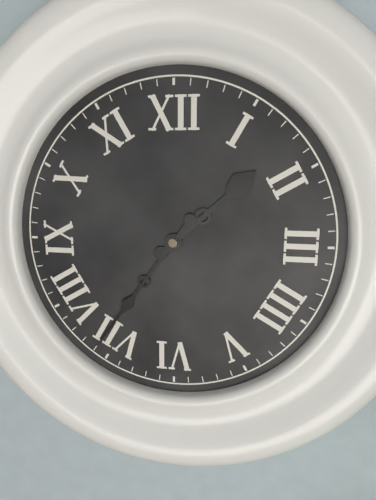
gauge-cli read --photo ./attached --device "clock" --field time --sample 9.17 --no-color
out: 1.36
